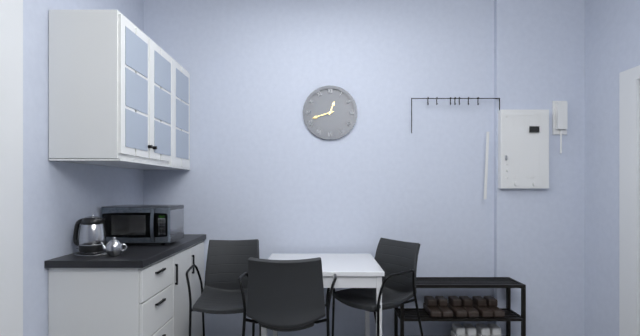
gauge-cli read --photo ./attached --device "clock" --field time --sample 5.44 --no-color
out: 12.42
